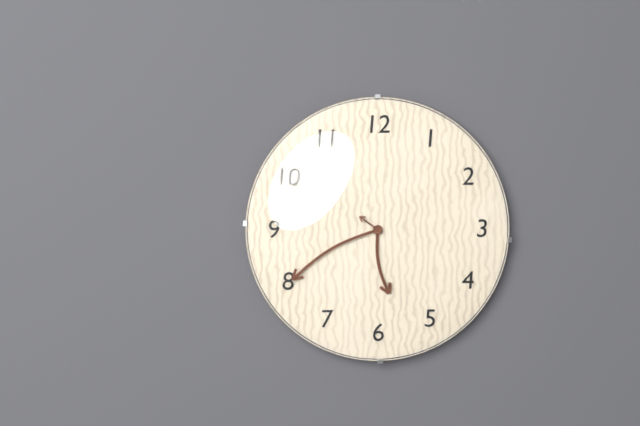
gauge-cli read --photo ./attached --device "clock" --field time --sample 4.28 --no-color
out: 5.40
